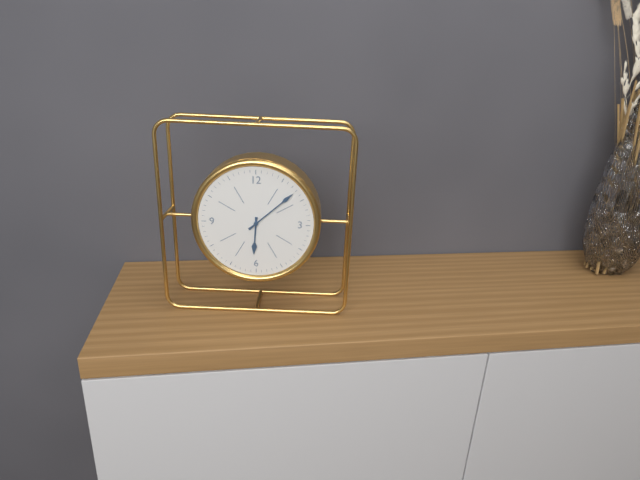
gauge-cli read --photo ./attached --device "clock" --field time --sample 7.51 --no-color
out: 6.08
